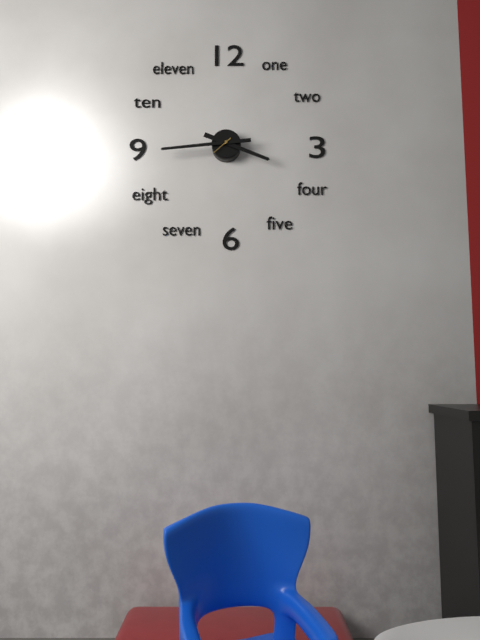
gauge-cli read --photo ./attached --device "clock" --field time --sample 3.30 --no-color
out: 3.44
